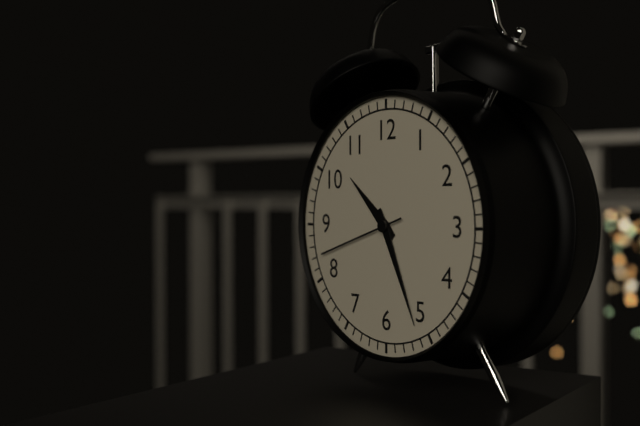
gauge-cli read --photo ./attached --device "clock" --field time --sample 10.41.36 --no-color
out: 10.26.42
